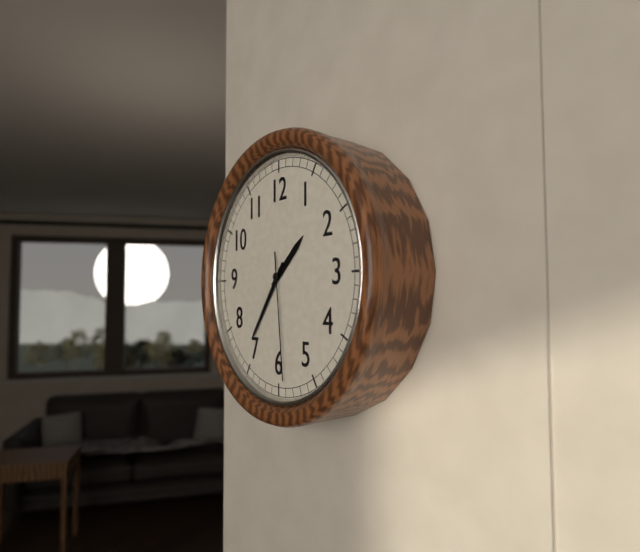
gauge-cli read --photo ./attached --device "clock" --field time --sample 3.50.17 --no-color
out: 1.36.29
